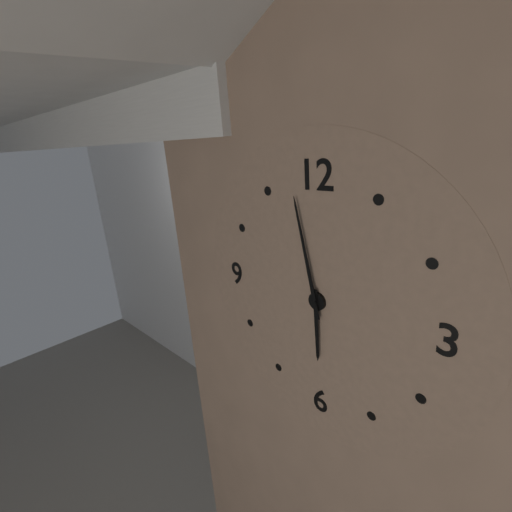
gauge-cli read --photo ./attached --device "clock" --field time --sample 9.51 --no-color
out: 5.58
